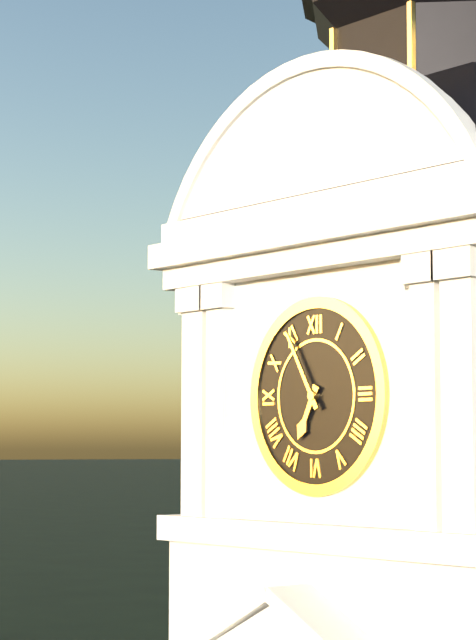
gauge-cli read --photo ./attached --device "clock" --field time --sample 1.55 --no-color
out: 6.55
